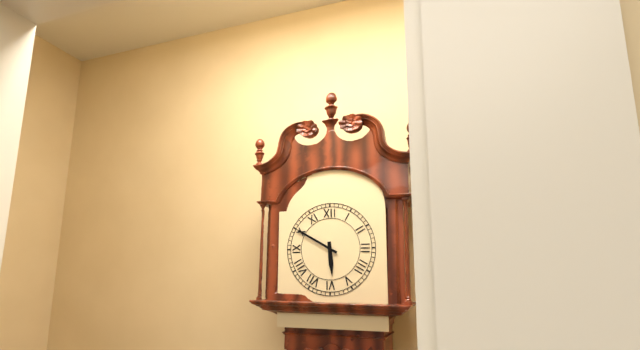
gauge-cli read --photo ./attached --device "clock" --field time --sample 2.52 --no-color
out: 5.50
